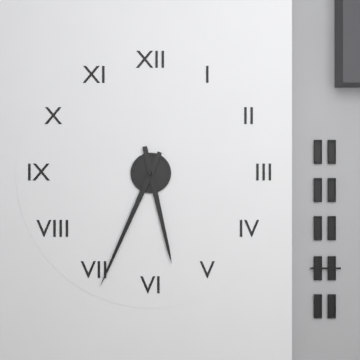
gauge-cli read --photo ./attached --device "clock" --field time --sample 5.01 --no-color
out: 5.34
